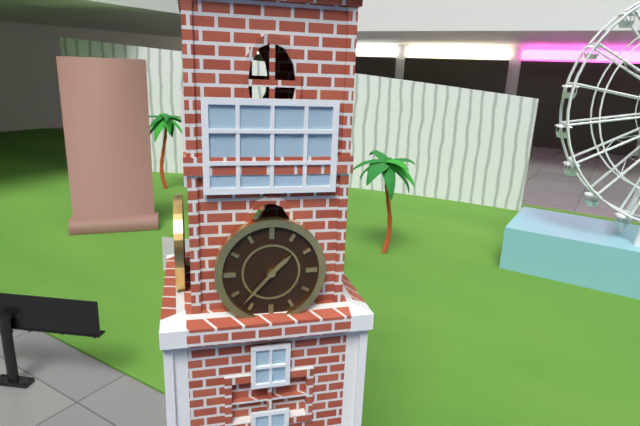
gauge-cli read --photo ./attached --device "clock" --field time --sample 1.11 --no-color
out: 1.37
